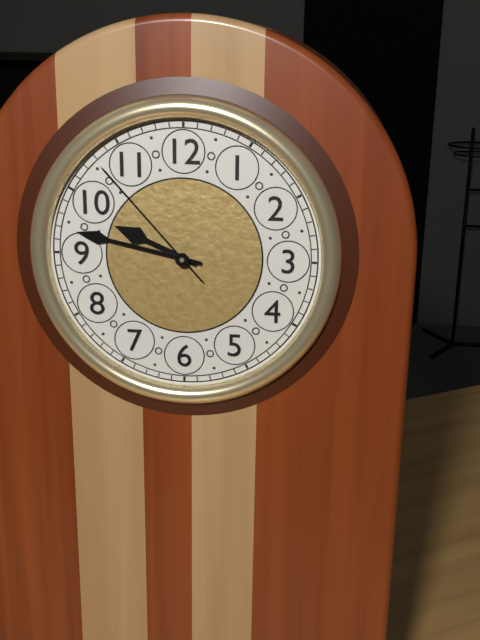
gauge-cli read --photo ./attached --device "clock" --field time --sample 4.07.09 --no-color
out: 9.47.53
